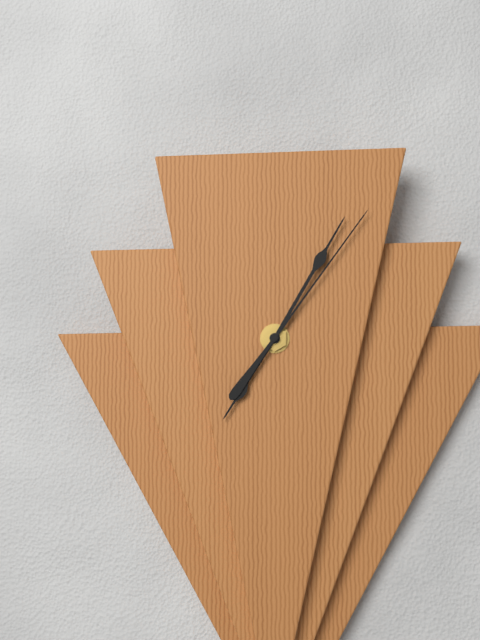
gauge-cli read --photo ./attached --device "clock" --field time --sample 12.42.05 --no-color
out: 7.05.06
